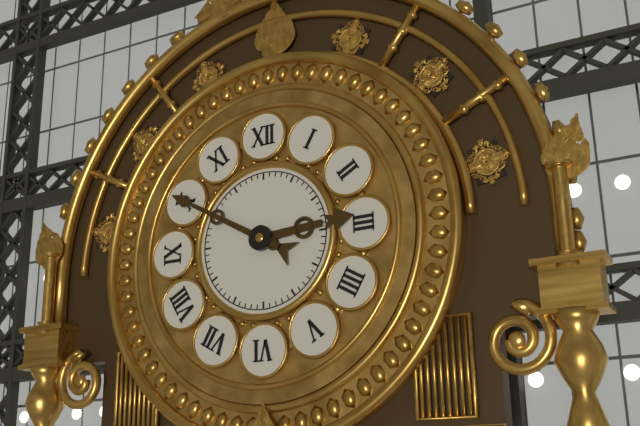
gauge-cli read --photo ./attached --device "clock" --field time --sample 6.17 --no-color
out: 2.50
